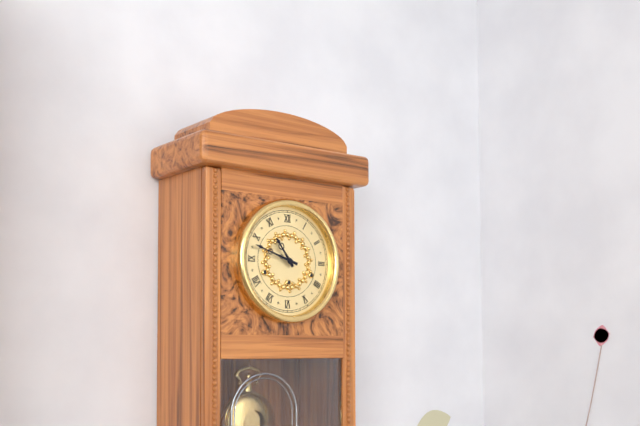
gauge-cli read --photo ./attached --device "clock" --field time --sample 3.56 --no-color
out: 10.48
